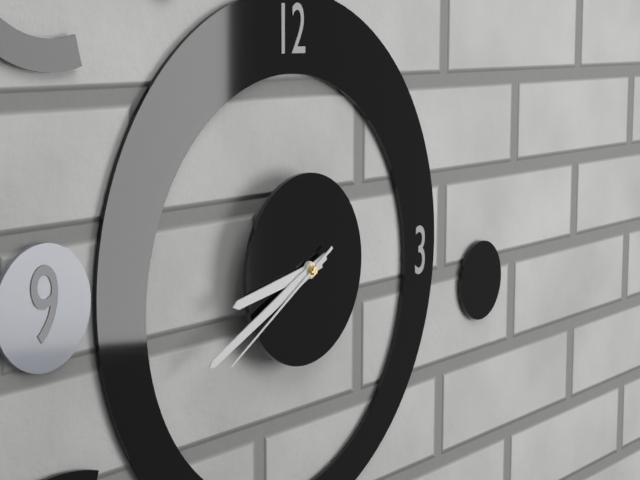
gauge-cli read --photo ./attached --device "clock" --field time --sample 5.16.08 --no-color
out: 8.41.40
